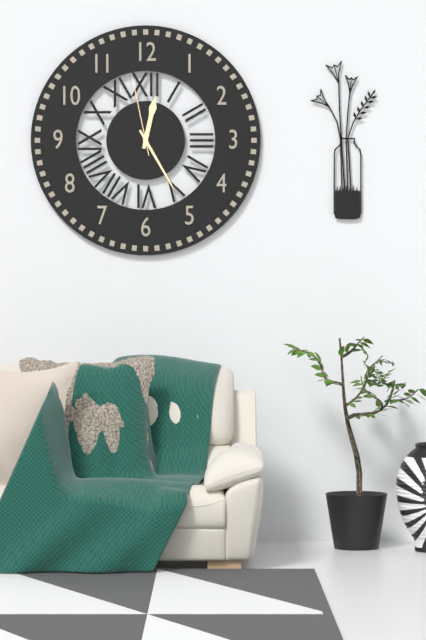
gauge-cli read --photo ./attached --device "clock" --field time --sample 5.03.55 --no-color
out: 12.25.58
